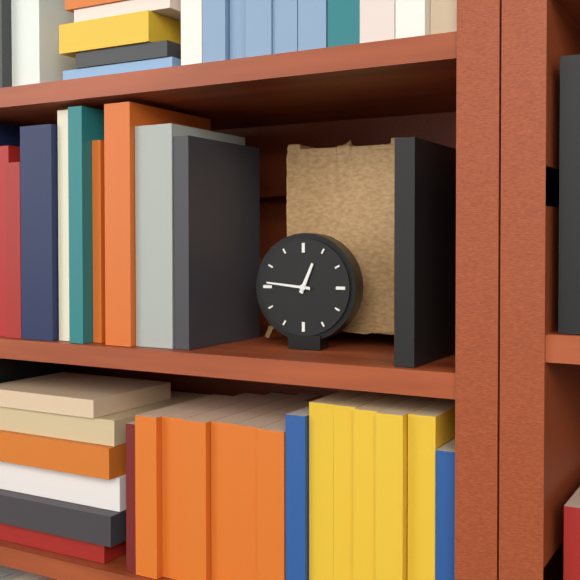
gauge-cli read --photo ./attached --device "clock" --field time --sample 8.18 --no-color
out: 12.46
